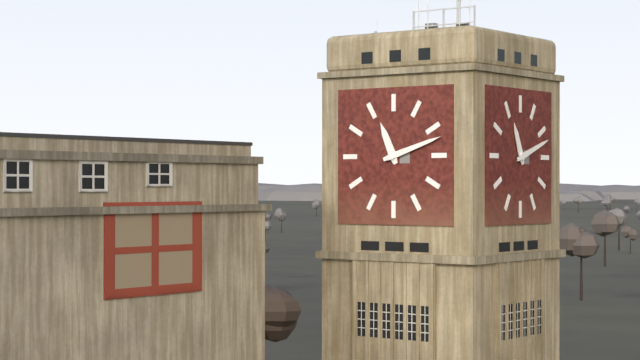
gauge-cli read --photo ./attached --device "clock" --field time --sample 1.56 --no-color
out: 11.12
